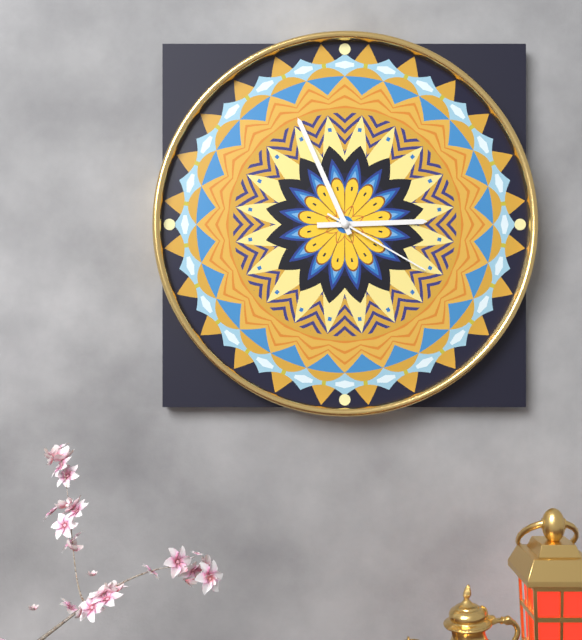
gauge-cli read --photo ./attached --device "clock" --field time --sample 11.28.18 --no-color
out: 2.56.20
